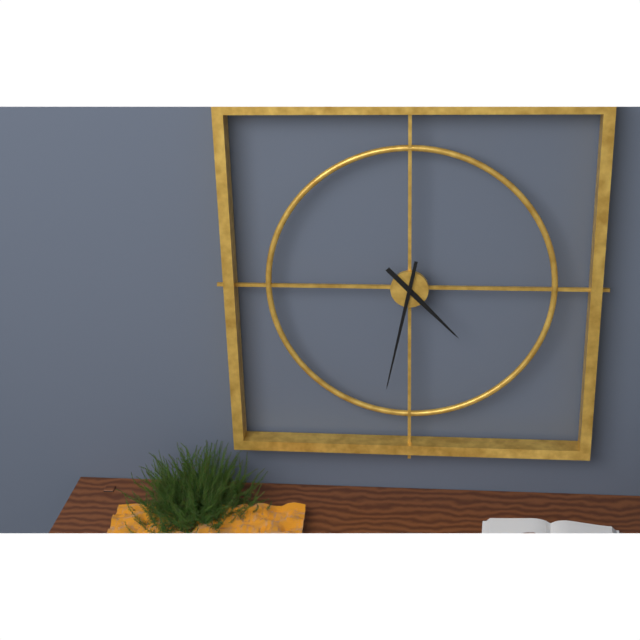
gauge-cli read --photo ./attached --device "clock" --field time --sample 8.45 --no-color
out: 4.32
